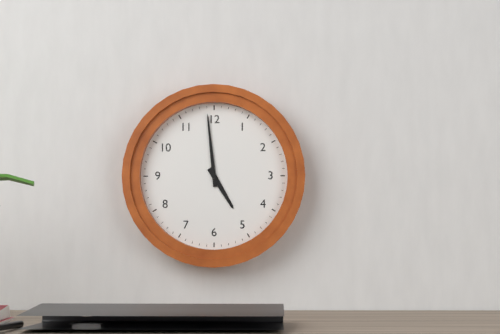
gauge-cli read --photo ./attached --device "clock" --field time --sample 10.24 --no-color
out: 4.59
